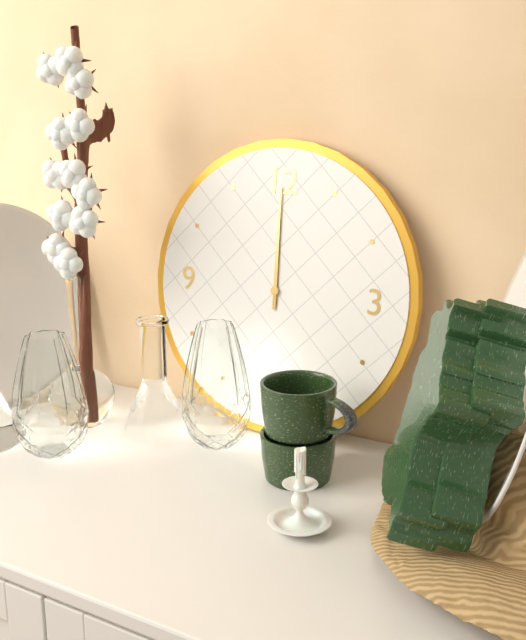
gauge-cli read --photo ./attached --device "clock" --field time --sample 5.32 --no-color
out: 12.00
